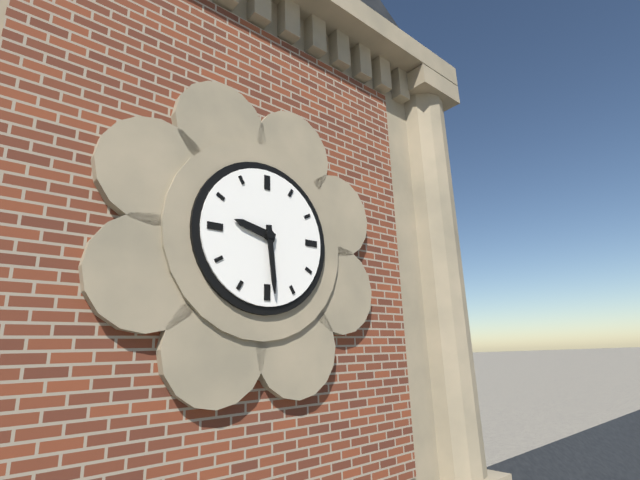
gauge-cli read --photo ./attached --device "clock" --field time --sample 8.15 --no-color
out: 9.29
